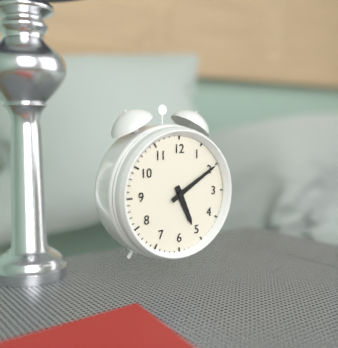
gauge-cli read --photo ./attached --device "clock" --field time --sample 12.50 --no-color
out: 5.10
